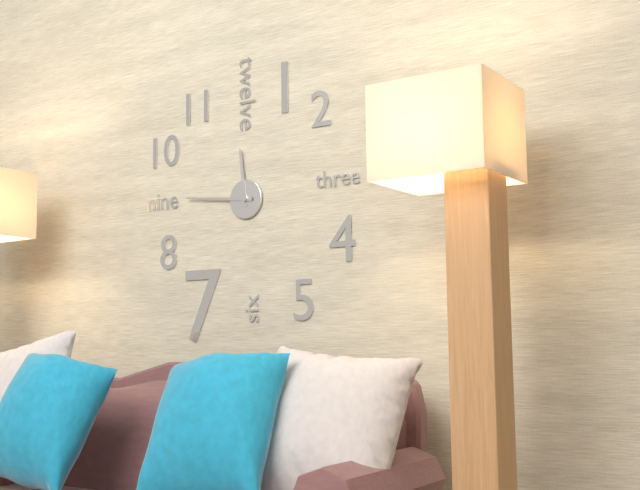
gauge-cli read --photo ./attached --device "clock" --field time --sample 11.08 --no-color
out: 11.46
